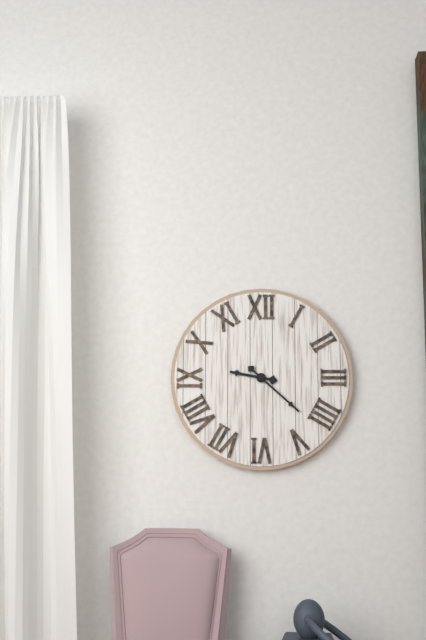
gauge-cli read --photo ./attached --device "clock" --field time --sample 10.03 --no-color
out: 9.22
